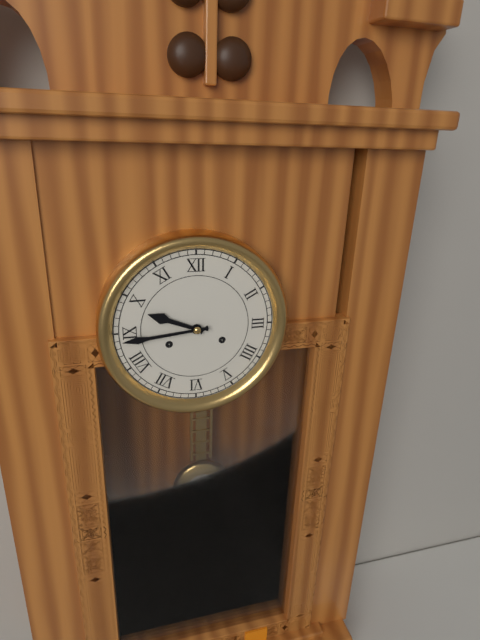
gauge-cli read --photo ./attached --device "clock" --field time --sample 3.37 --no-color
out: 9.44
